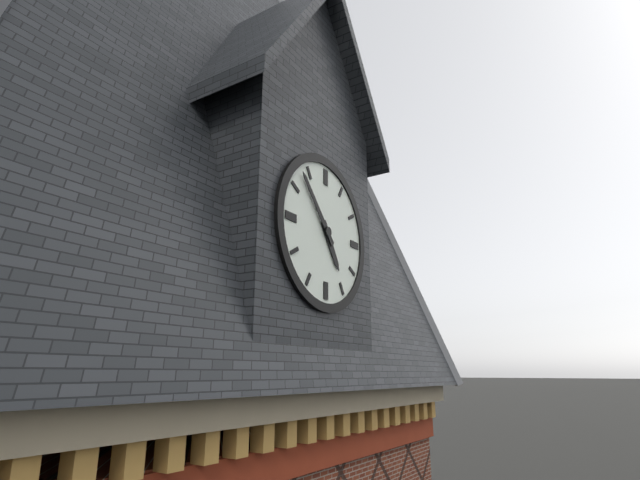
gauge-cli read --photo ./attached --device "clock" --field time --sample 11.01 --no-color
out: 4.53
